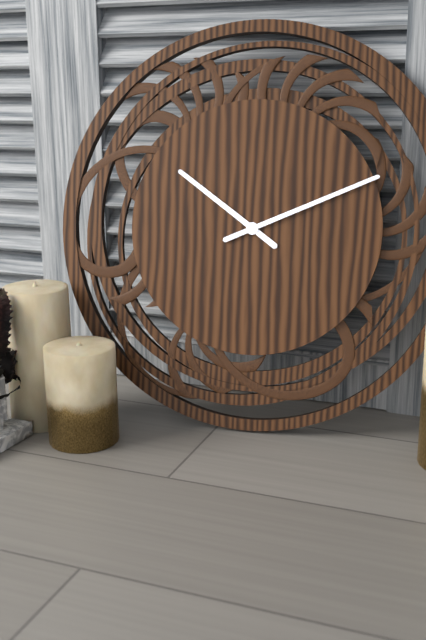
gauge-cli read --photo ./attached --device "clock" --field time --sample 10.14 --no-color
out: 10.11
